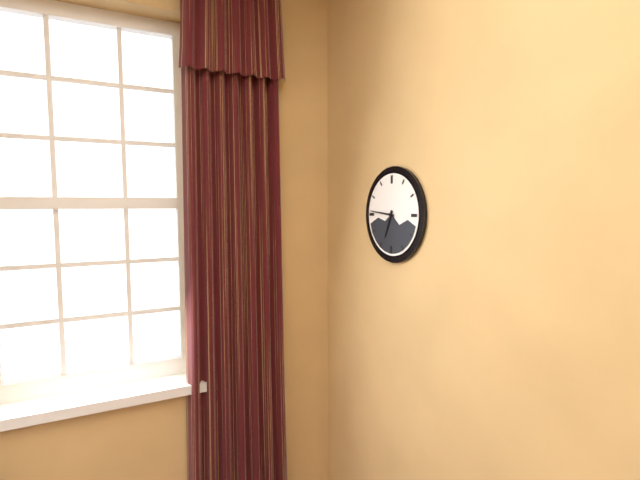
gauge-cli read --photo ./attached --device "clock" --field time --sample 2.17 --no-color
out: 6.46
